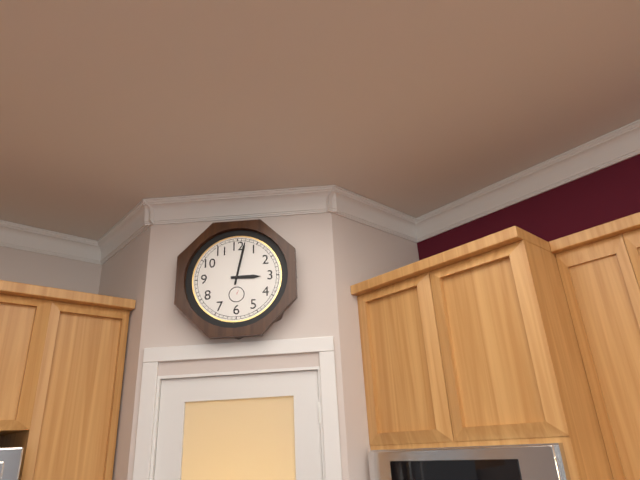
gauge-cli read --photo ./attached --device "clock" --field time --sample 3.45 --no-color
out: 3.02
